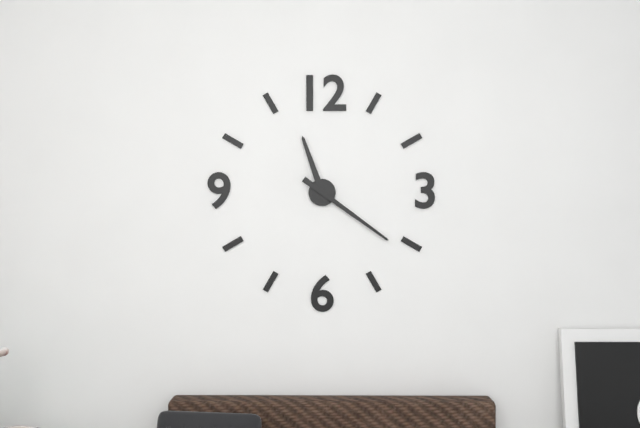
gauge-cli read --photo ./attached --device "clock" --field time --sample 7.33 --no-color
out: 11.21
